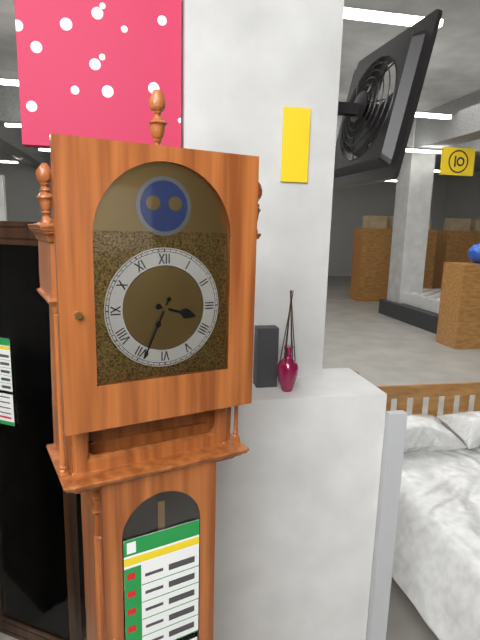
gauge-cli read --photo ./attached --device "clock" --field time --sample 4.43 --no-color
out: 3.34
